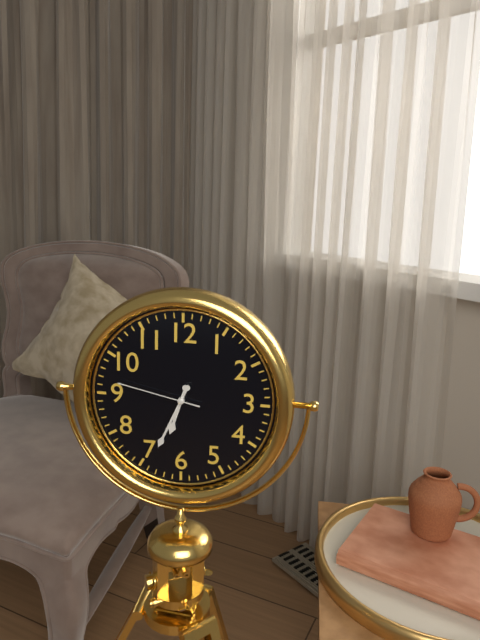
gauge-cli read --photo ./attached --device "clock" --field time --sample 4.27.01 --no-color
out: 6.34.47
